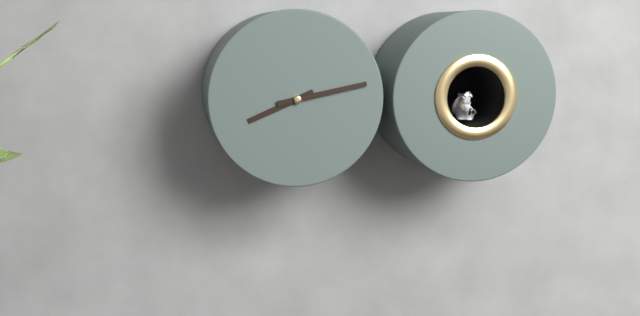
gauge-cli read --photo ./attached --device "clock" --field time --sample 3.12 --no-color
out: 8.13
